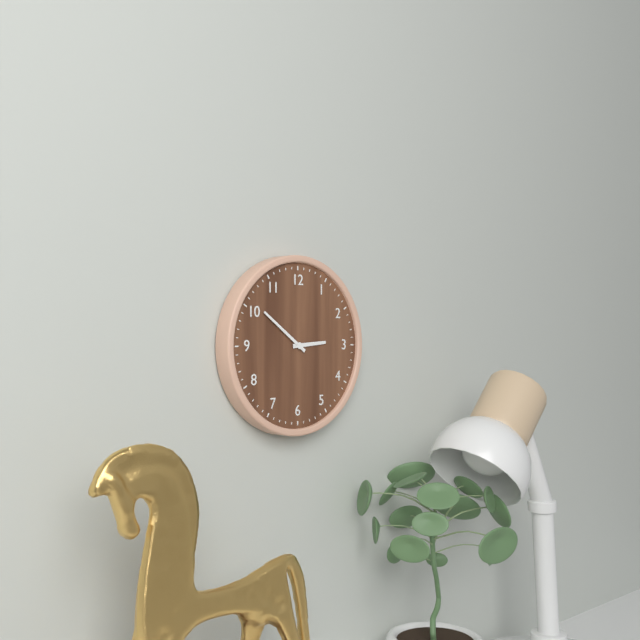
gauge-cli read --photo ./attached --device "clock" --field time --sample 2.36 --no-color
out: 2.51
